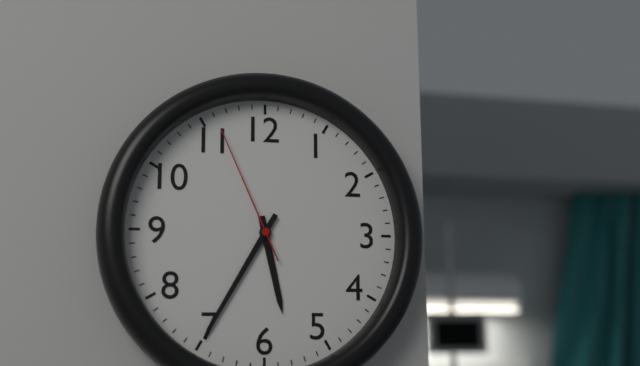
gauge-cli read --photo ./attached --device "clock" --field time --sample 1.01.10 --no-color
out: 5.35.56
